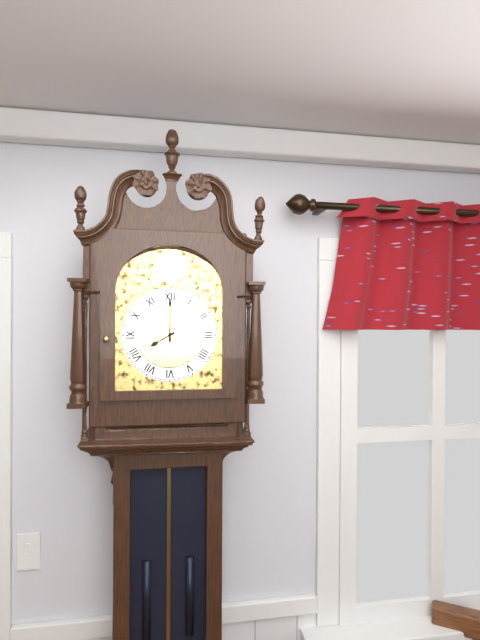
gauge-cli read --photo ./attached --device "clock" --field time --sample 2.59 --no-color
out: 8.00
